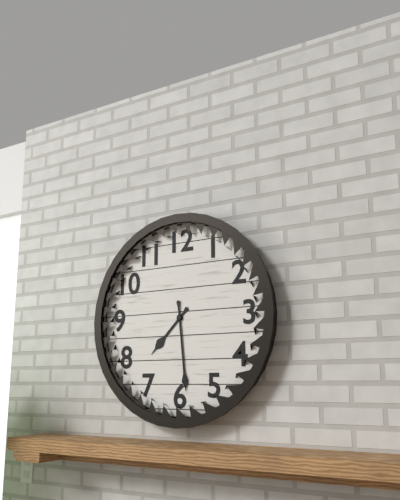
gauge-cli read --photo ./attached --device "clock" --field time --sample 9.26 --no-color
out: 7.29
